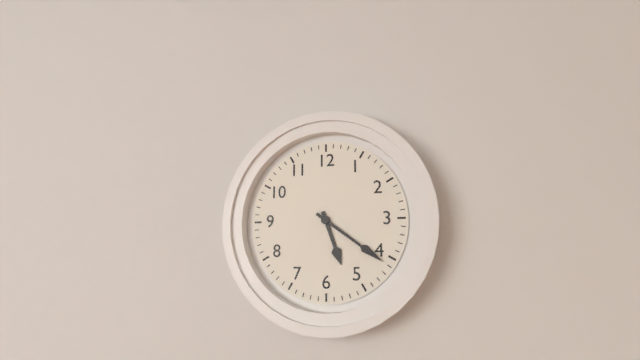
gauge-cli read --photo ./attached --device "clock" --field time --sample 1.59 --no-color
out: 5.21
